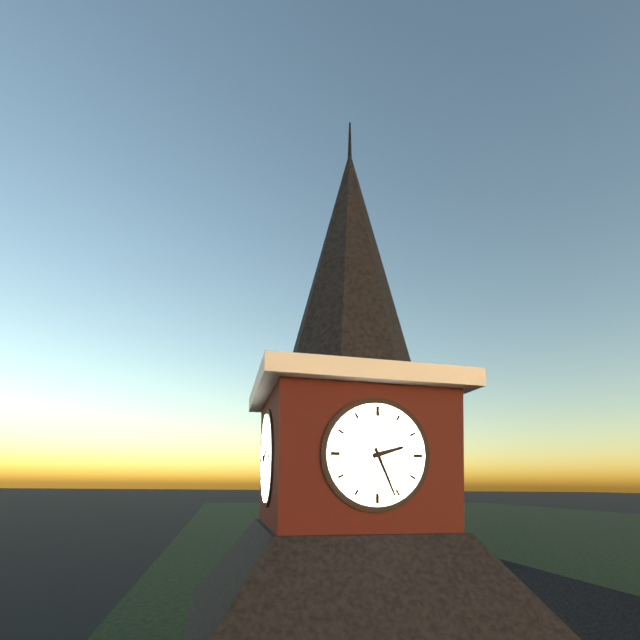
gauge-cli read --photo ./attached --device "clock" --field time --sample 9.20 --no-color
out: 2.26
